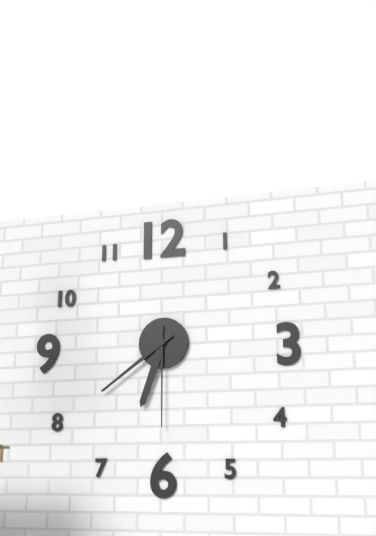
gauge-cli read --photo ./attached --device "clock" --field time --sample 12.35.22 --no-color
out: 6.39.30
